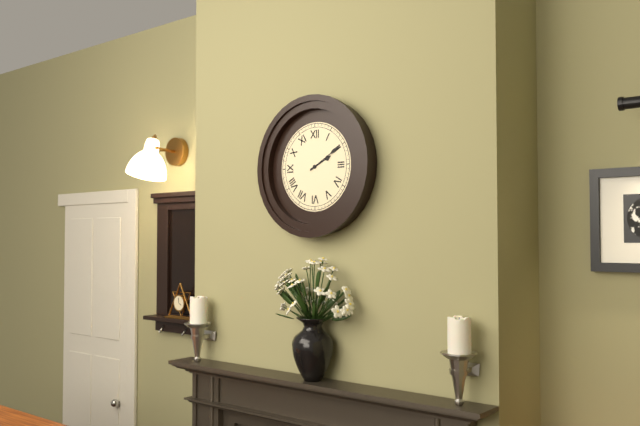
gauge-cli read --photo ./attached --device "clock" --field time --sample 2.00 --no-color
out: 2.10
